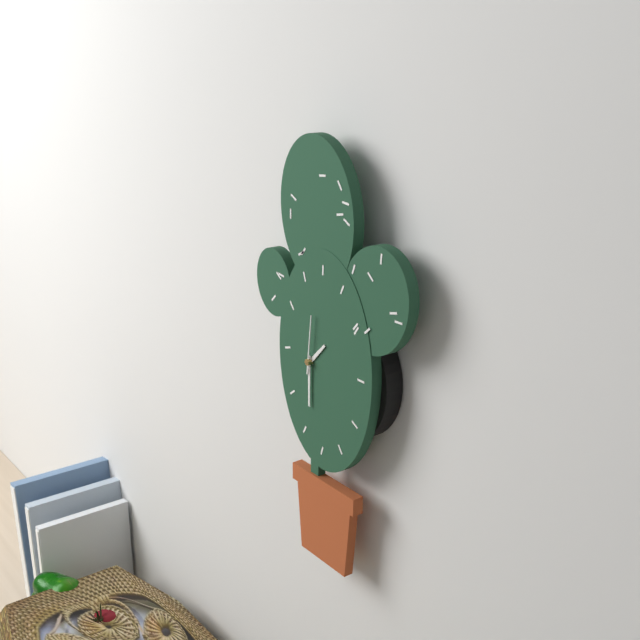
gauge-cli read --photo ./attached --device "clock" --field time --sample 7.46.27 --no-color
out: 1.30.01
